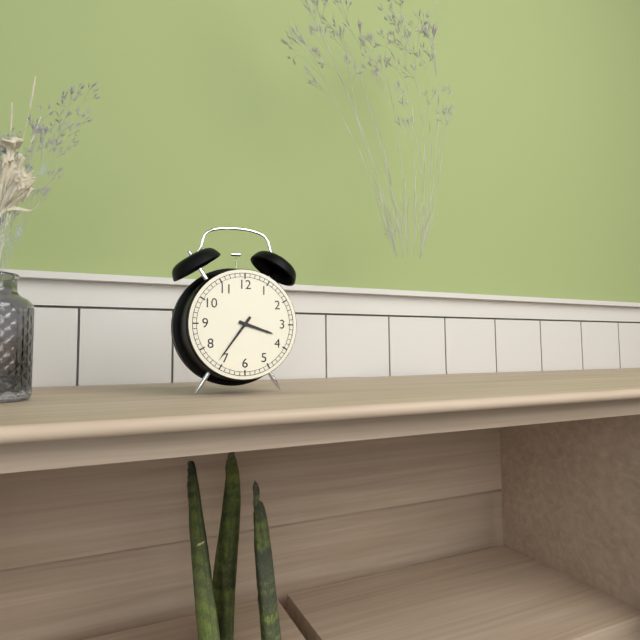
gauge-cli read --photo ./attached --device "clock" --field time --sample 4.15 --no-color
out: 3.36
